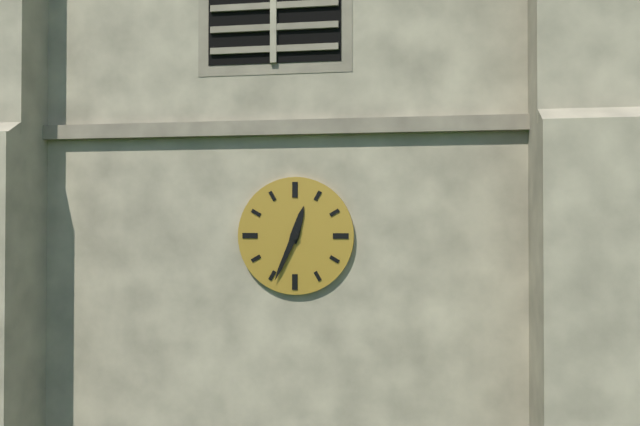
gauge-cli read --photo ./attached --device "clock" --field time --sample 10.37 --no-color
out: 12.34
